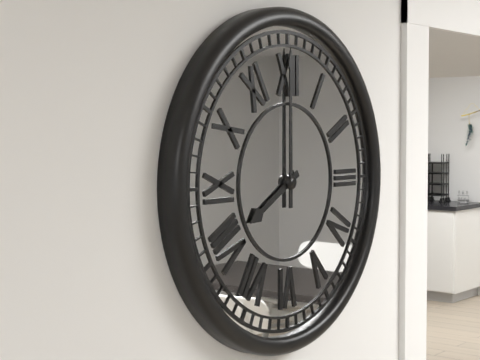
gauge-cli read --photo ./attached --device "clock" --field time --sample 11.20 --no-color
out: 8.00
